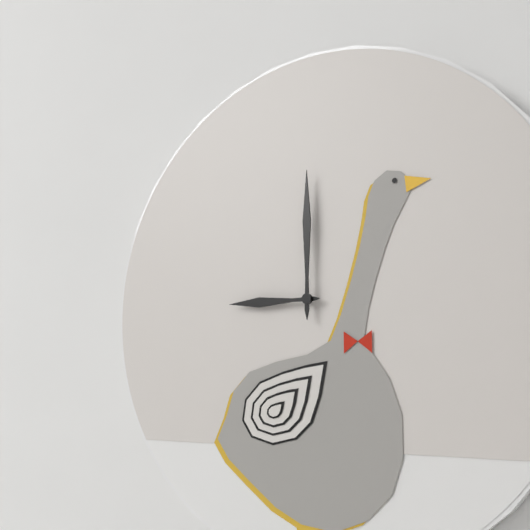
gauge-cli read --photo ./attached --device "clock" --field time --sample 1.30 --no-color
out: 9.00
